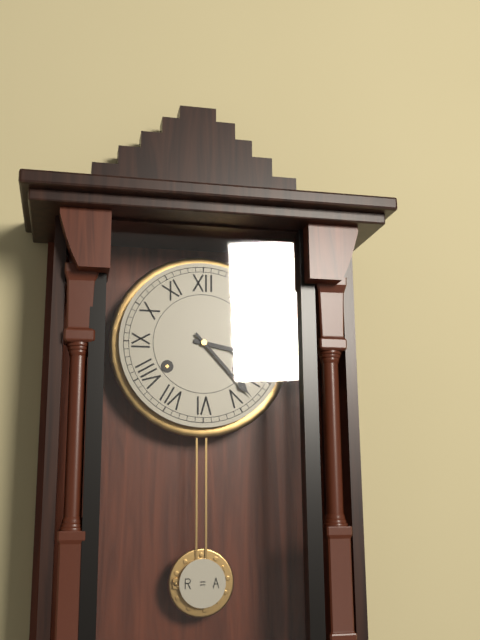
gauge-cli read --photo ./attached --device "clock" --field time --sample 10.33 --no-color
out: 3.23
